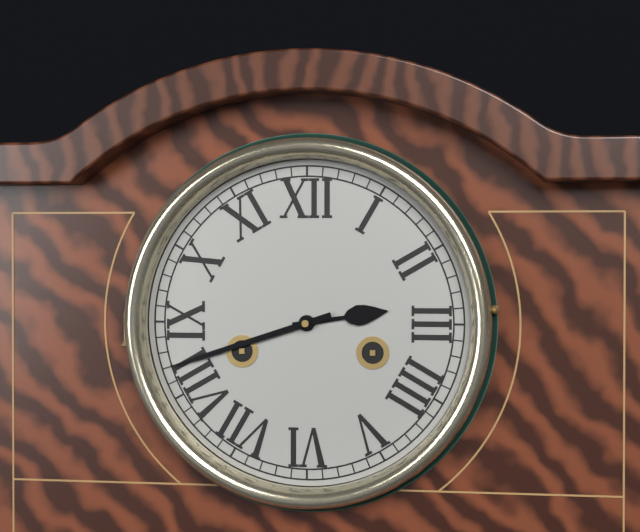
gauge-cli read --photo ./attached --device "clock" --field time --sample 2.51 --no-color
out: 2.42
